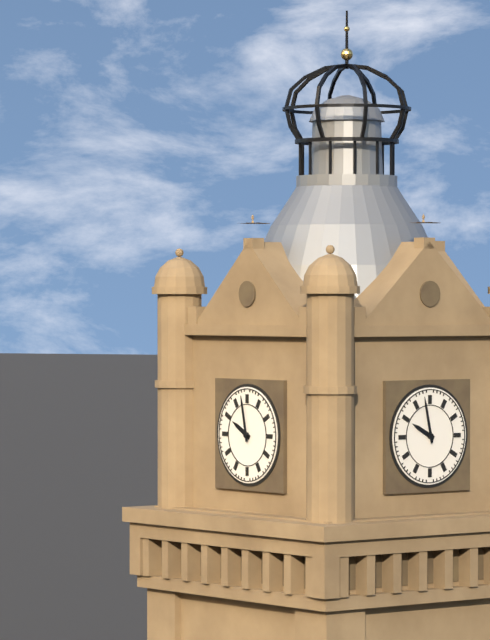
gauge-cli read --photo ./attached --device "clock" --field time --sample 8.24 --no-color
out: 9.58
